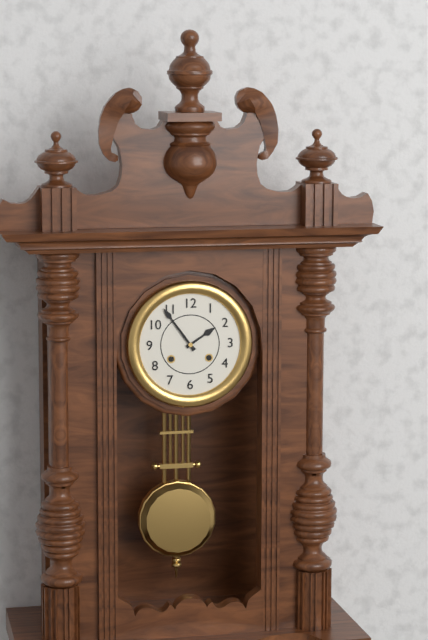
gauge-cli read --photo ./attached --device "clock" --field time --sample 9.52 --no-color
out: 1.54
